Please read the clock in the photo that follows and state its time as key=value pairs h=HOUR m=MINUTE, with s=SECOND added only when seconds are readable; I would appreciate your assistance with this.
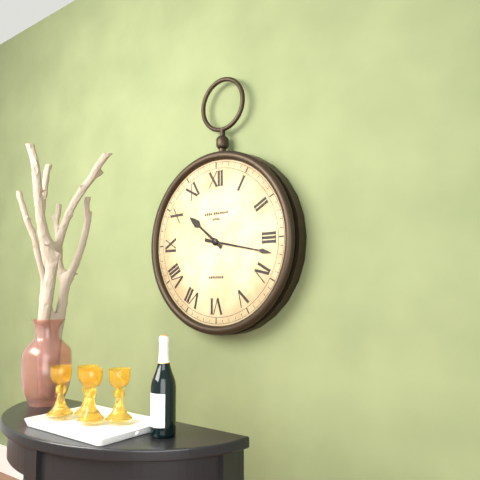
h=10 m=17
